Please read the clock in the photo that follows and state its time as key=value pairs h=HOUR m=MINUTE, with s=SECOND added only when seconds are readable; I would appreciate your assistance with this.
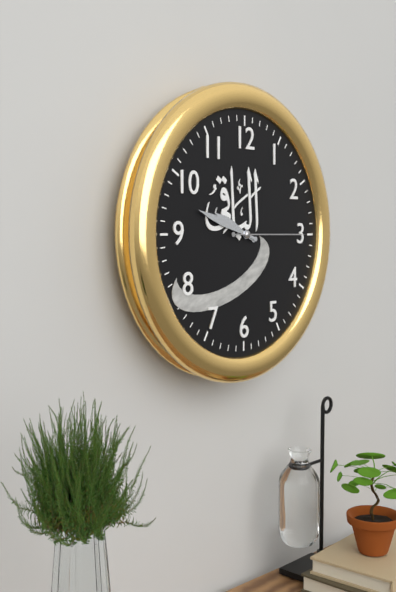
h=9 m=48 s=15
